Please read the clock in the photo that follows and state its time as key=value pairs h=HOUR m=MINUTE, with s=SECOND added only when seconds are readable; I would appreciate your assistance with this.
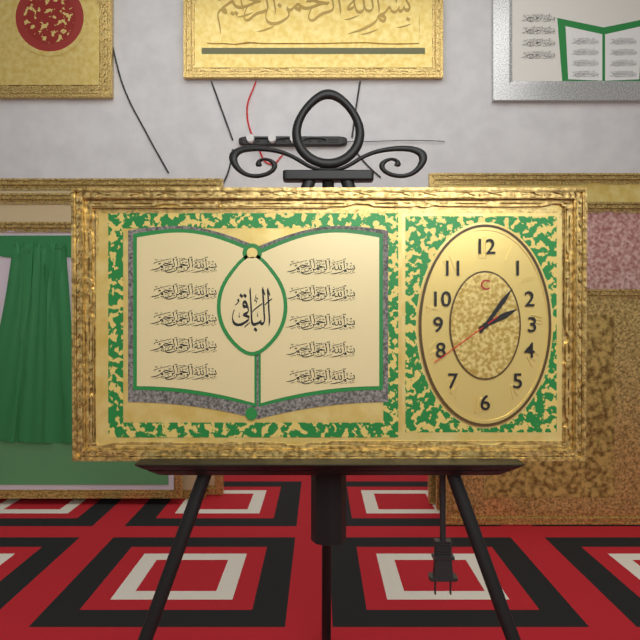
h=2 m=6 s=39
